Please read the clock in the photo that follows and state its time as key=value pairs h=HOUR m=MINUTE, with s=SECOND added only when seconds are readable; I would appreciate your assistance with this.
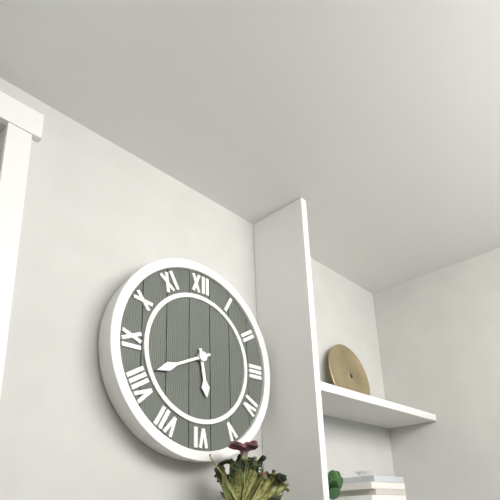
h=5 m=41
